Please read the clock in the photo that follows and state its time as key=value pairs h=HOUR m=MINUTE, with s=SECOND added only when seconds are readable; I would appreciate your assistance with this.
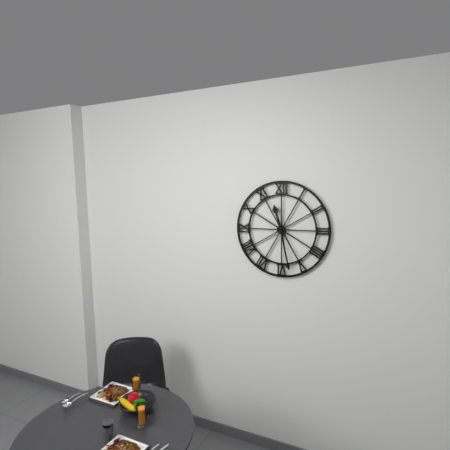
h=11 m=28
